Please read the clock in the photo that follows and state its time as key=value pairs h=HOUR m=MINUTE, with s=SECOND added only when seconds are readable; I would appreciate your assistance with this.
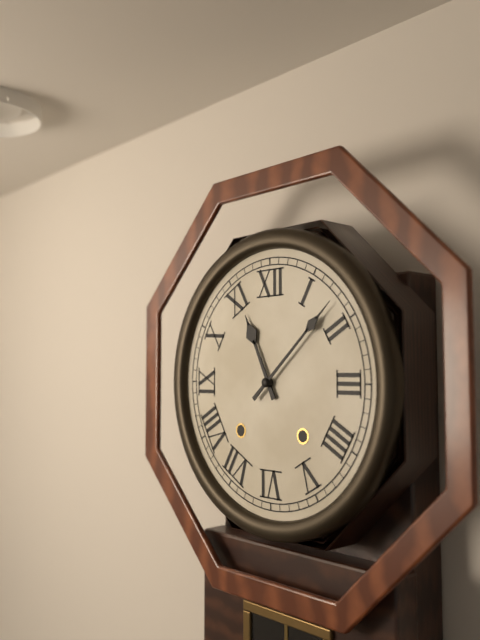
h=11 m=8
